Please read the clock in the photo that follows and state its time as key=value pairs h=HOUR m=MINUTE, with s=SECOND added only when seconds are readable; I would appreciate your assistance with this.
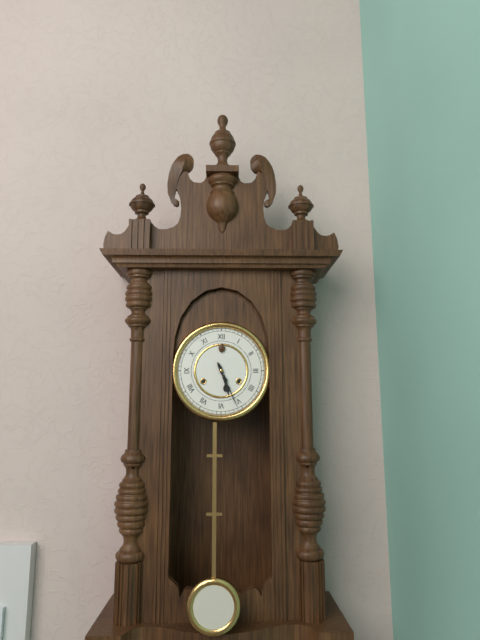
h=5 m=26
